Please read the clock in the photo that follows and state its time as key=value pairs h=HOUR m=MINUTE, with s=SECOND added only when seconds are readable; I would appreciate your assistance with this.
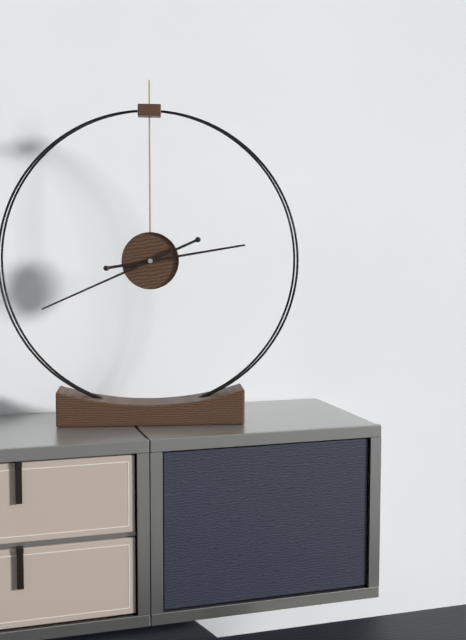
h=2 m=41
